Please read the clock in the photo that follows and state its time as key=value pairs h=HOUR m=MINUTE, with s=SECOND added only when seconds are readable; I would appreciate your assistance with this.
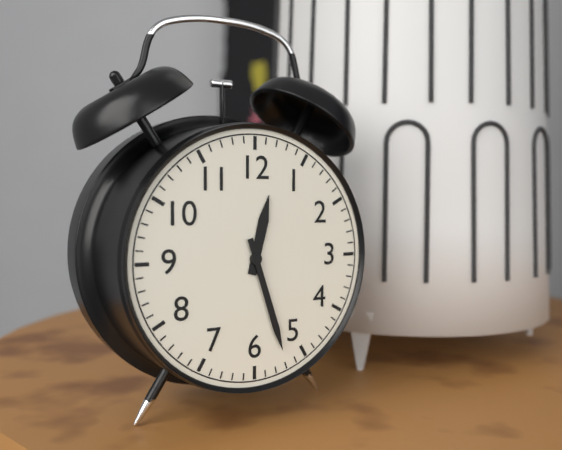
h=12 m=27
